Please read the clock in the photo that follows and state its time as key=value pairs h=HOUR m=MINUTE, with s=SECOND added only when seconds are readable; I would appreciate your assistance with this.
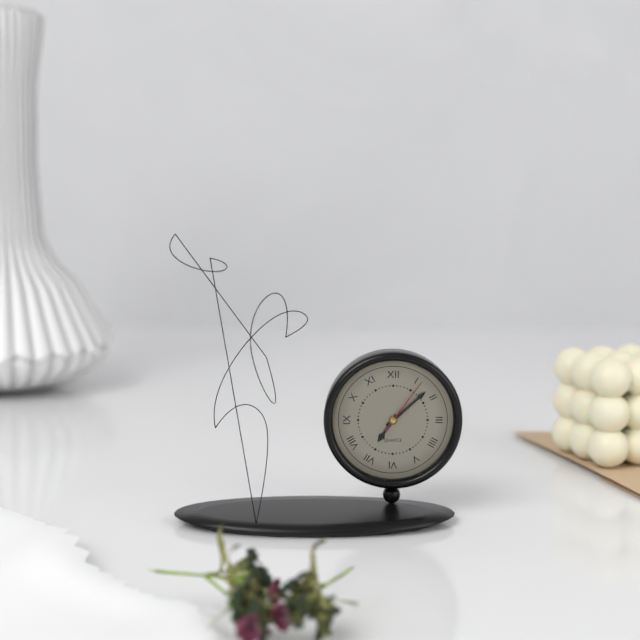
h=7 m=8 s=6
